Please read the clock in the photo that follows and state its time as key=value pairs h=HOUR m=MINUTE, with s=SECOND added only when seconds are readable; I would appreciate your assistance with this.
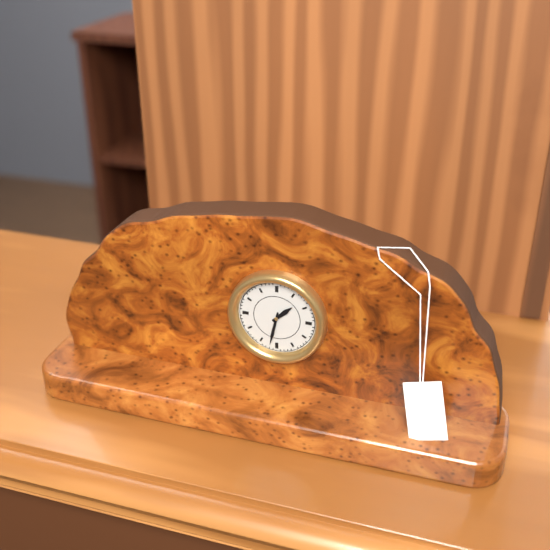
h=1 m=32
